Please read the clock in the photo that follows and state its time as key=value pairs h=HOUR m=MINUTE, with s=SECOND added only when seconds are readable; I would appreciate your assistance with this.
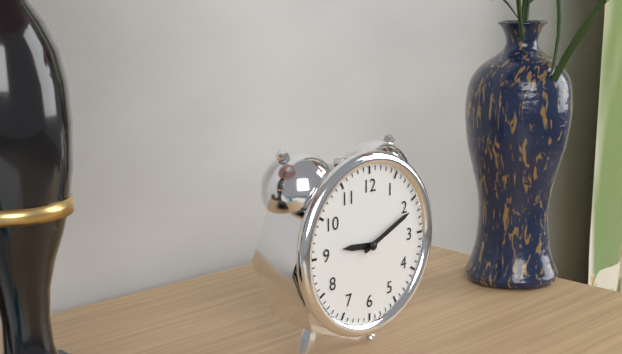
h=9 m=11
